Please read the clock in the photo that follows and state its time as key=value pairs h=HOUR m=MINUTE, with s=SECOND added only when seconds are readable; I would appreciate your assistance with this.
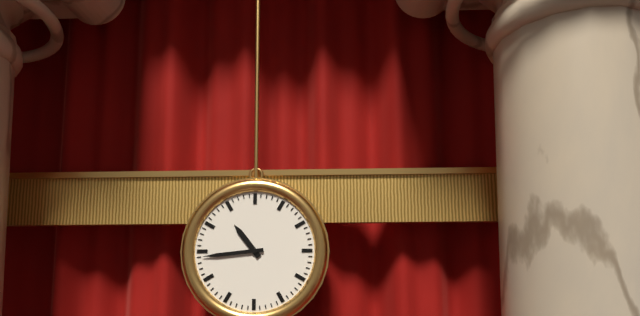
h=10 m=44
